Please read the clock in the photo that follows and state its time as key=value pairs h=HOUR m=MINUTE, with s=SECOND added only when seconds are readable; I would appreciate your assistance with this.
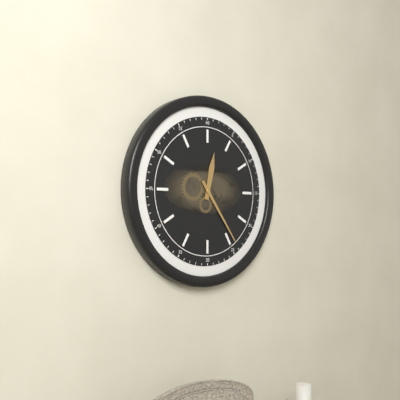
h=12 m=24
